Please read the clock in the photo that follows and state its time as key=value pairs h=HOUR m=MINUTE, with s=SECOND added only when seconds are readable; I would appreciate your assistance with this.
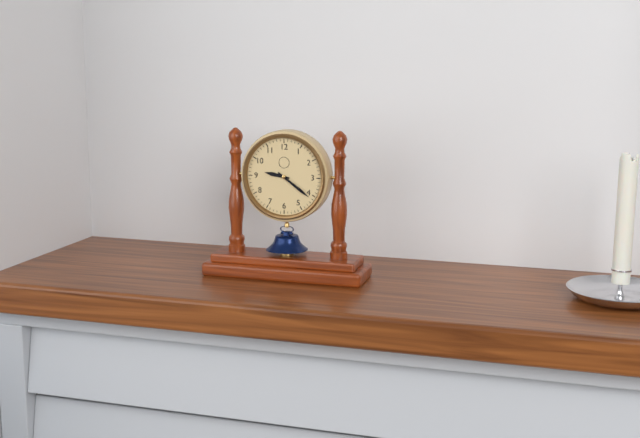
h=9 m=21
